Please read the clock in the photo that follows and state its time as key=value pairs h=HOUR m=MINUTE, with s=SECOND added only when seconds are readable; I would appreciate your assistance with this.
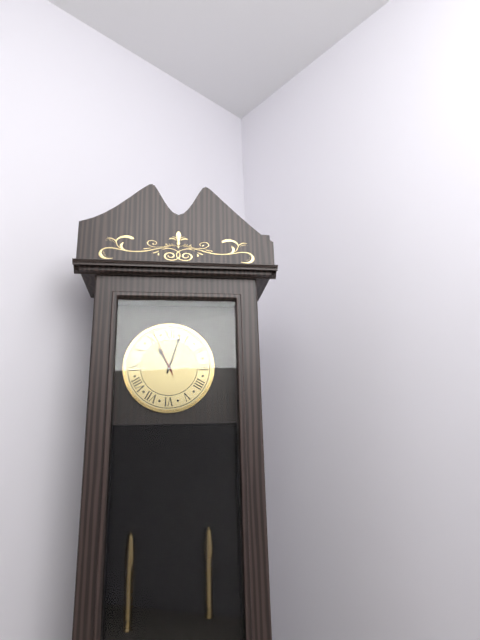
h=11 m=3
